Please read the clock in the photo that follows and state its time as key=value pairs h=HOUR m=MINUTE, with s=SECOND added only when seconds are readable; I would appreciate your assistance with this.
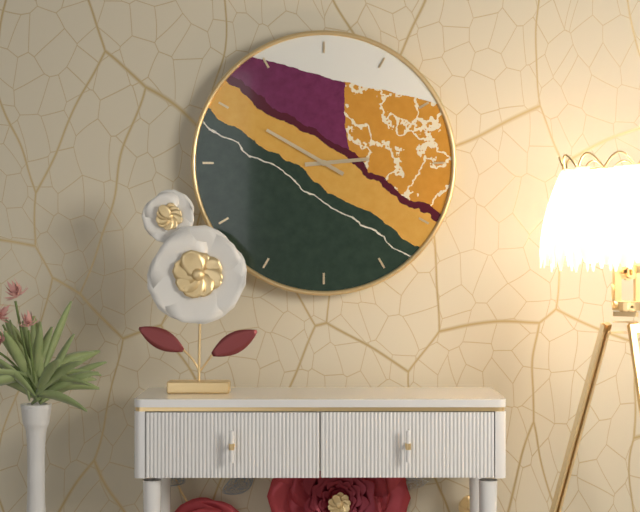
h=2 m=50
